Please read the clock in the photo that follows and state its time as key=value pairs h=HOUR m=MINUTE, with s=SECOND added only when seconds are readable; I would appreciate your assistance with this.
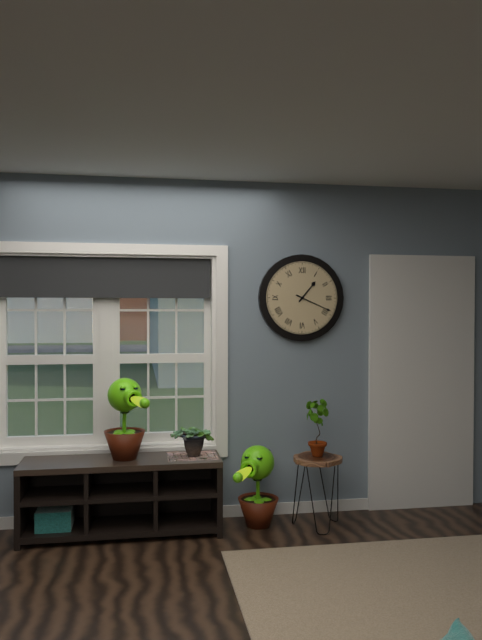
h=1 m=19
